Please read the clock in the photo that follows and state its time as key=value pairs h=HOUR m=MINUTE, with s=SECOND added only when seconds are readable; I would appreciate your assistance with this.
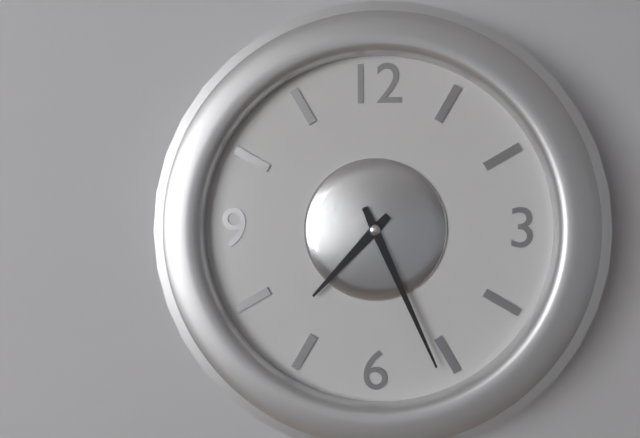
h=7 m=26
